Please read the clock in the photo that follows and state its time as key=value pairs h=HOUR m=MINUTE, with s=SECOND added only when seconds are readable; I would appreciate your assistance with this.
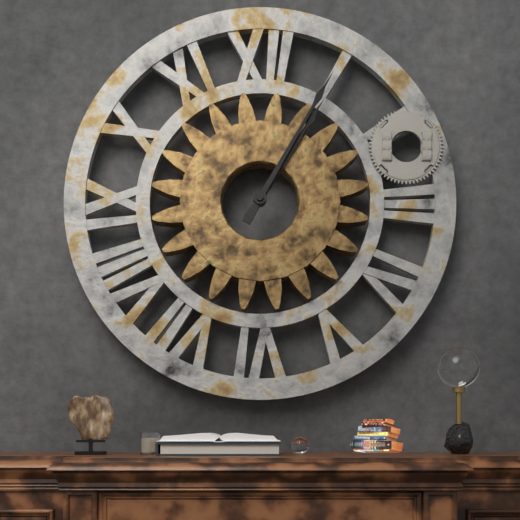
h=1 m=5
